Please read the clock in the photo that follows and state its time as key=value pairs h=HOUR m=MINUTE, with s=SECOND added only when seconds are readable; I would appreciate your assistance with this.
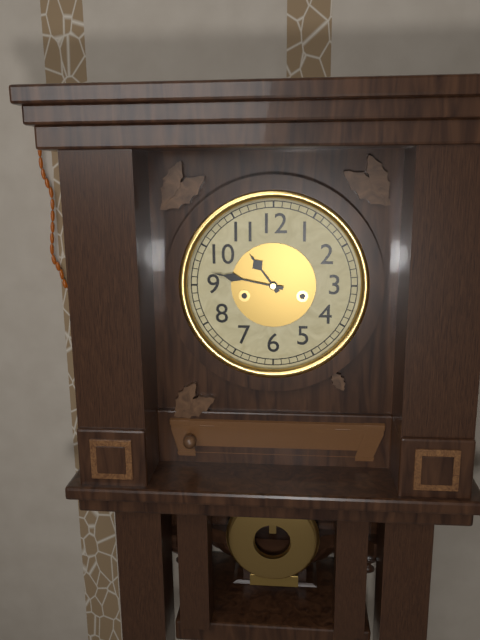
h=10 m=47
